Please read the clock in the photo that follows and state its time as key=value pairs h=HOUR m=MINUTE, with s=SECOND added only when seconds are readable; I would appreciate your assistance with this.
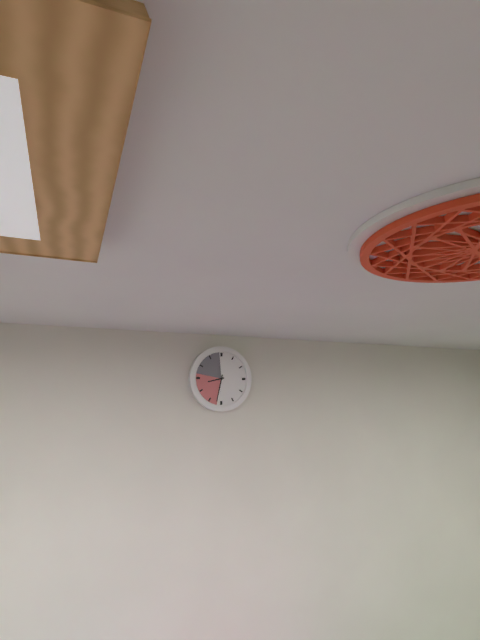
h=8 m=32
